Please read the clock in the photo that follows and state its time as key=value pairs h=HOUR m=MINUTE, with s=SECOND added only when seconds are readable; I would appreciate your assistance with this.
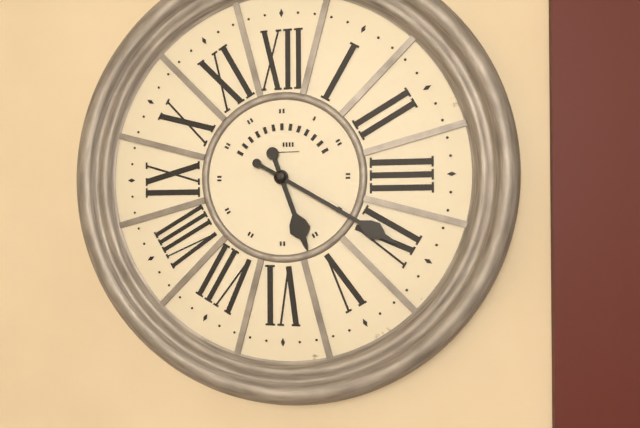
h=5 m=20
